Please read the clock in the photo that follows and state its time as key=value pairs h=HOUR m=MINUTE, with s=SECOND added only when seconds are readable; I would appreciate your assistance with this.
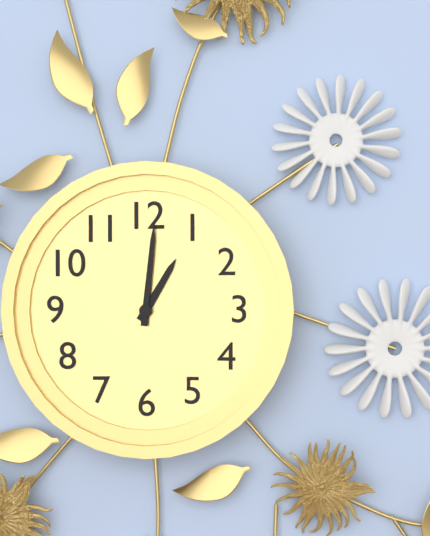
h=1 m=1
